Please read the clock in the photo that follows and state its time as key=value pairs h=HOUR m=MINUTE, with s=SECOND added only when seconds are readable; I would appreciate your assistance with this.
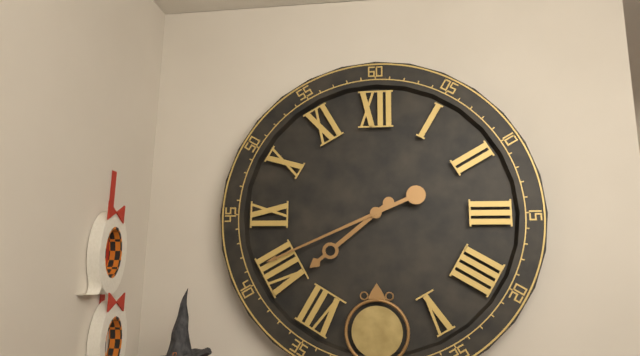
h=7 m=41
